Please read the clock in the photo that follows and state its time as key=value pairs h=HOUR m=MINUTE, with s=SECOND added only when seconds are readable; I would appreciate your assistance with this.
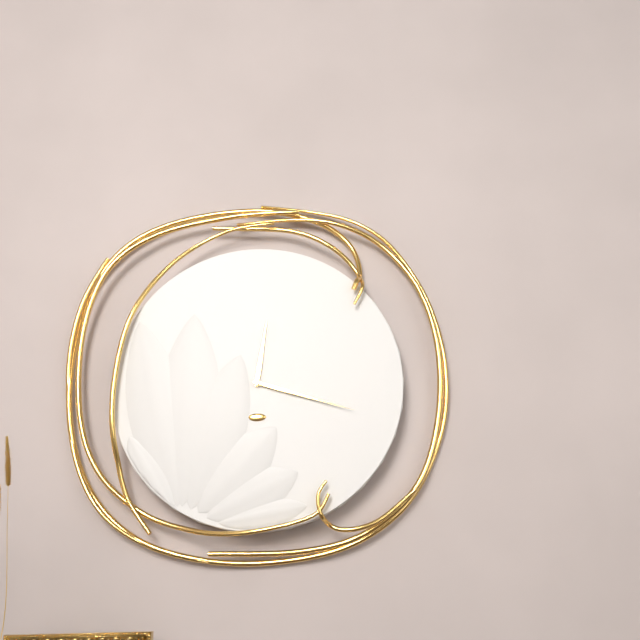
h=12 m=18
